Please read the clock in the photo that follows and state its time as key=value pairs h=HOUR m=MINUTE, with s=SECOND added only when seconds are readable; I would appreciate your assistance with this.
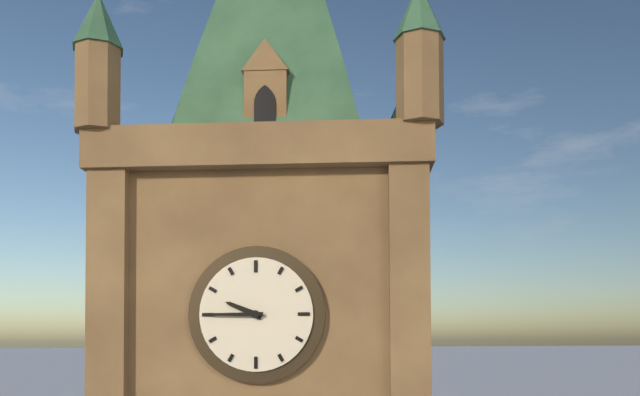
h=9 m=45
